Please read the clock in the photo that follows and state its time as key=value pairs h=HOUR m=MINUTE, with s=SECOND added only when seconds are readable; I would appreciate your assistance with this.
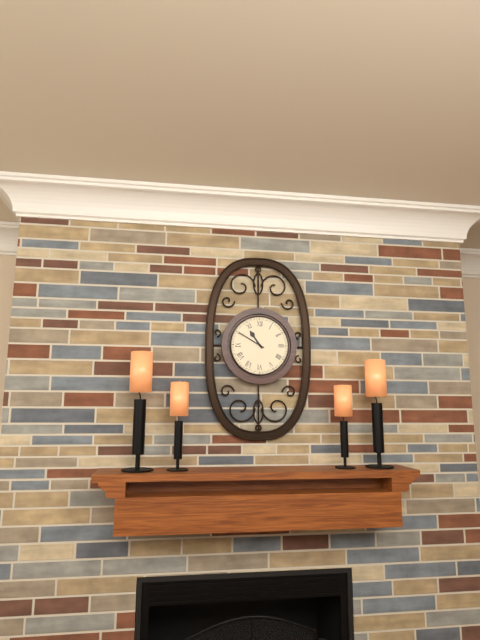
h=10 m=50
